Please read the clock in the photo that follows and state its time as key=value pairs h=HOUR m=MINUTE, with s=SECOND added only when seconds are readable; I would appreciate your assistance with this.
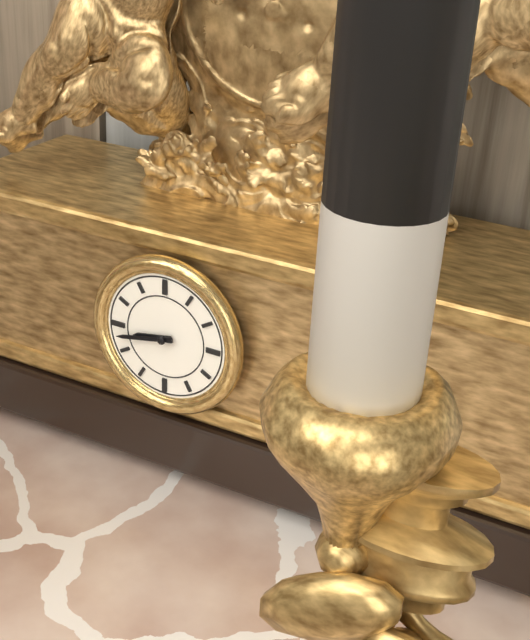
h=8 m=43
